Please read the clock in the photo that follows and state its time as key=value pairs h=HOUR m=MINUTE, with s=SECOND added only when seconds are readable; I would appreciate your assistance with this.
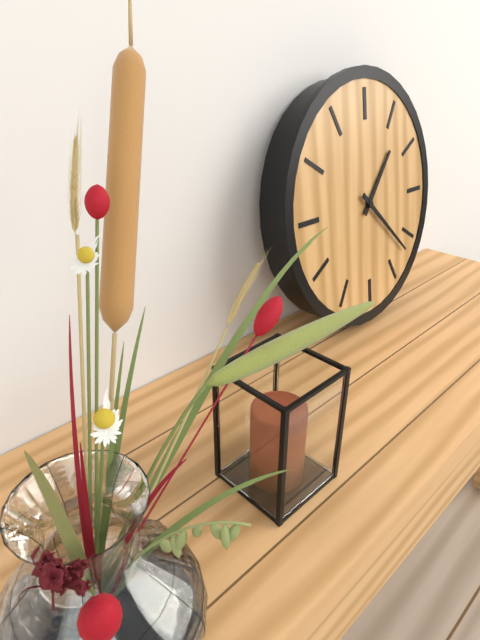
h=1 m=22
